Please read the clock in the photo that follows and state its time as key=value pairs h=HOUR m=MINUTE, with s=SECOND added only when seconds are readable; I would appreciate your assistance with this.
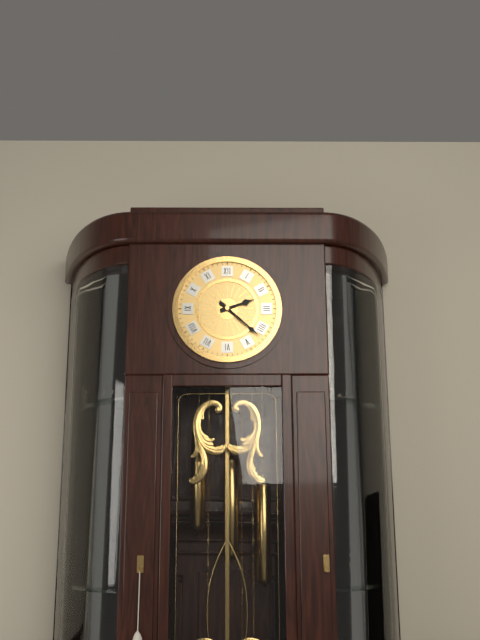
h=2 m=22
